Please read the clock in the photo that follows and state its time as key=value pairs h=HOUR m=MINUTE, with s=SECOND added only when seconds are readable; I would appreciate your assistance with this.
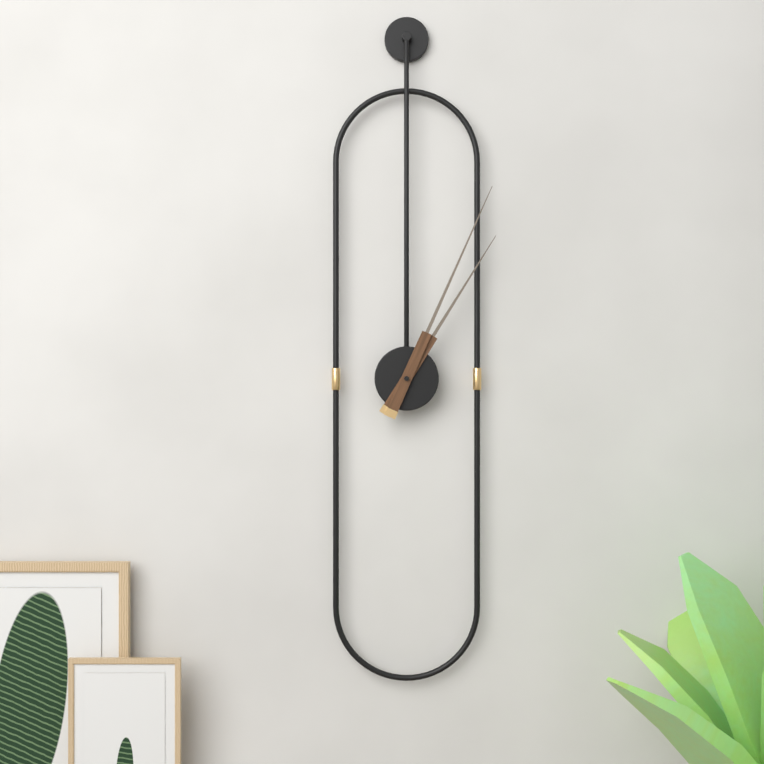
h=1 m=4
